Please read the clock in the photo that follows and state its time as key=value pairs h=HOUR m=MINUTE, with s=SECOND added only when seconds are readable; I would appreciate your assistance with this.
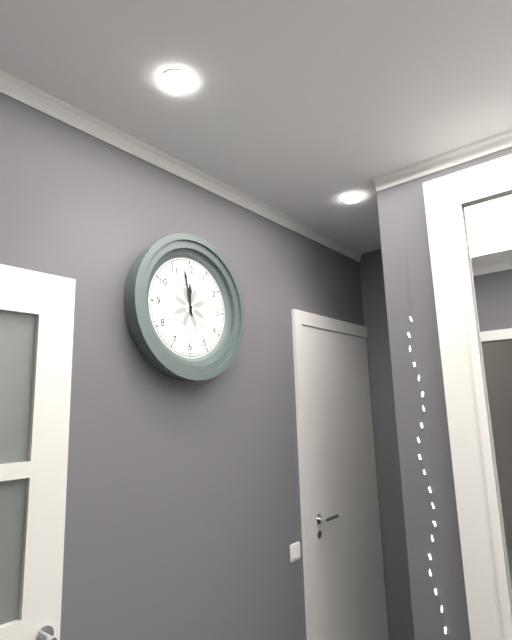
h=11 m=58
